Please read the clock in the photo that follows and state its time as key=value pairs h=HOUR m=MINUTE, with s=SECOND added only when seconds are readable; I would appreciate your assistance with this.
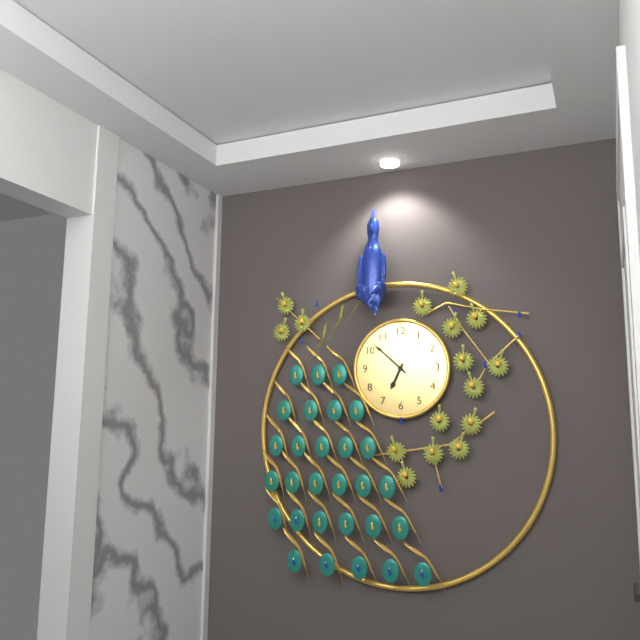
h=6 m=52
